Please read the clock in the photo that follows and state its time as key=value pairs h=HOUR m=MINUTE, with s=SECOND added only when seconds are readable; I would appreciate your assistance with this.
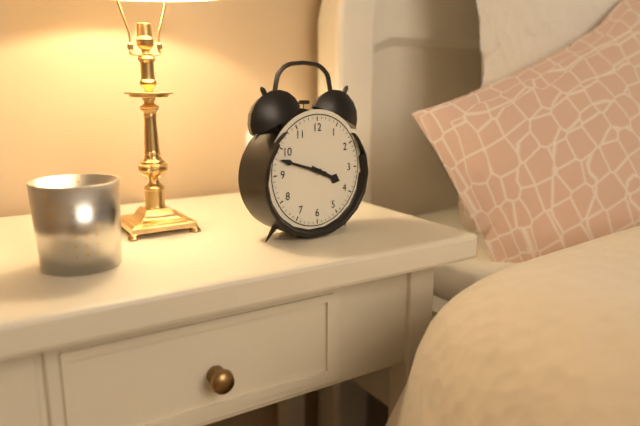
h=3 m=48
